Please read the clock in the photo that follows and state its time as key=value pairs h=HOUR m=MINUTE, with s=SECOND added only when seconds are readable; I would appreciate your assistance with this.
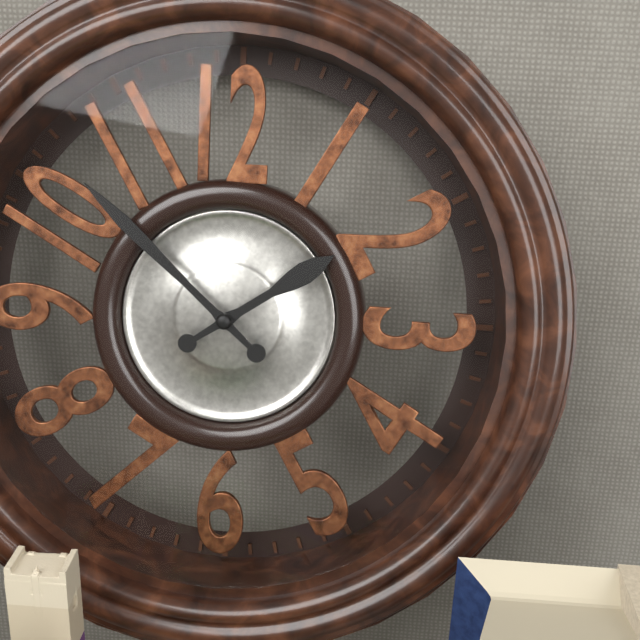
h=1 m=52
